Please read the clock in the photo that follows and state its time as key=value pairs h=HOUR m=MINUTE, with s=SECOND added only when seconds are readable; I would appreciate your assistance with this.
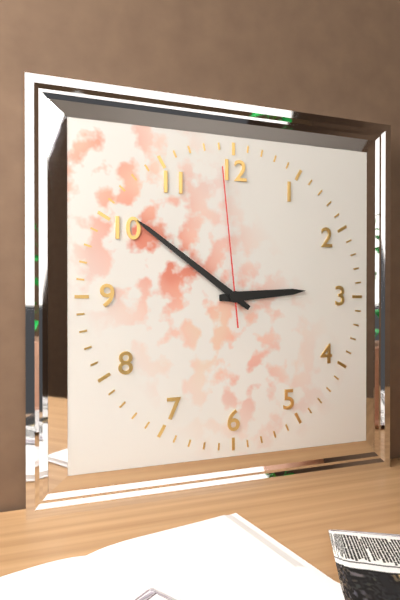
h=2 m=51 s=59
